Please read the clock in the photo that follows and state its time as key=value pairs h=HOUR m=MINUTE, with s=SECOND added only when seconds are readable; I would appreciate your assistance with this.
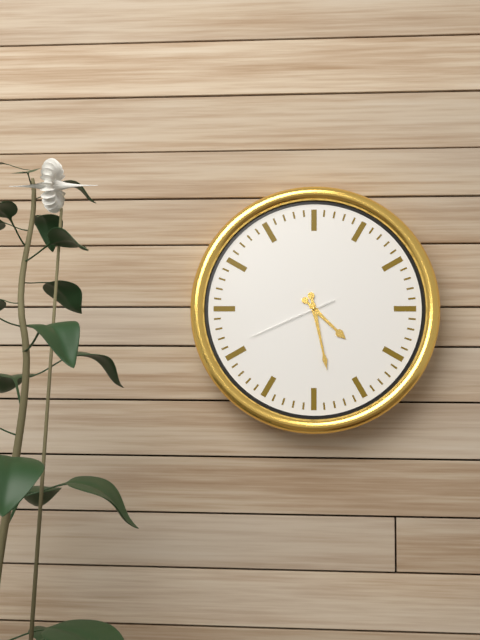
h=4 m=28 s=41
